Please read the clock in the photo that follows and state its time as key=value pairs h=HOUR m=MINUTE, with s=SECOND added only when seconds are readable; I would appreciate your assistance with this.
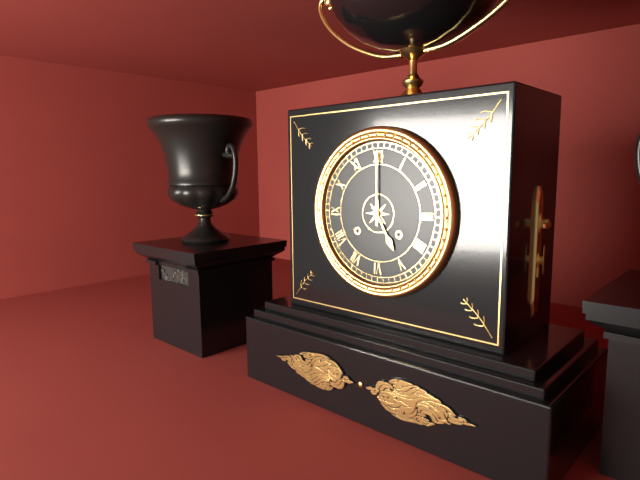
h=5 m=0
